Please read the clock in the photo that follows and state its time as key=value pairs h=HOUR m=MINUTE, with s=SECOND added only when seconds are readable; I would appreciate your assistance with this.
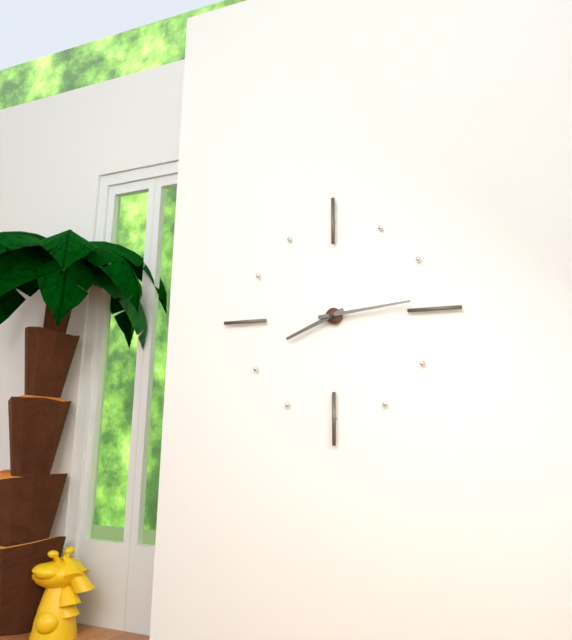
h=8 m=14
